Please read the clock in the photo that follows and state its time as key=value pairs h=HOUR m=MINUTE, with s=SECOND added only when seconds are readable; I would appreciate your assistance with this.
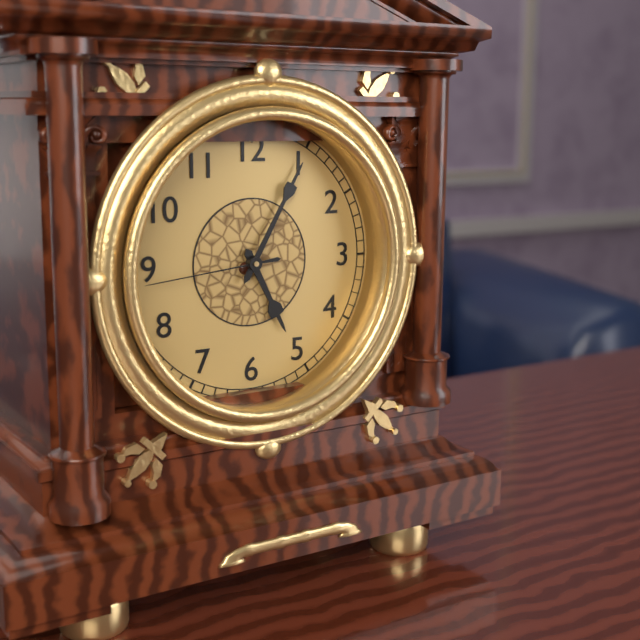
h=5 m=5 s=44
